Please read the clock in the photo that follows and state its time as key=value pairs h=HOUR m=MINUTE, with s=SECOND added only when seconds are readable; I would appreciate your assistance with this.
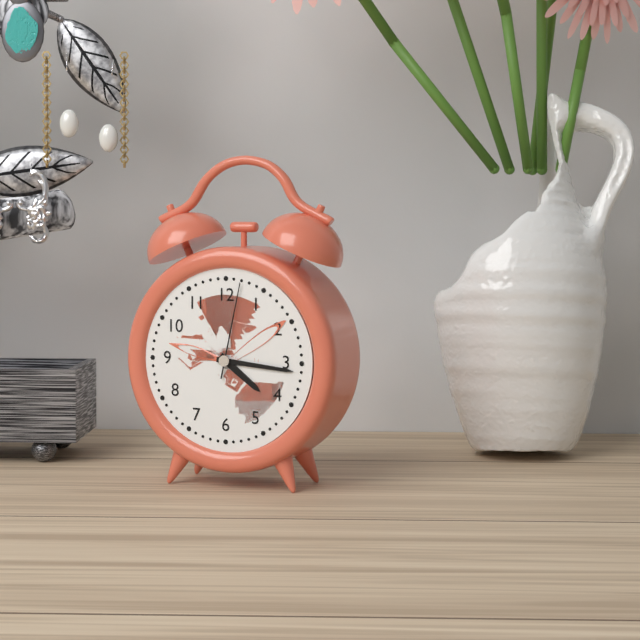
h=4 m=16 s=2
